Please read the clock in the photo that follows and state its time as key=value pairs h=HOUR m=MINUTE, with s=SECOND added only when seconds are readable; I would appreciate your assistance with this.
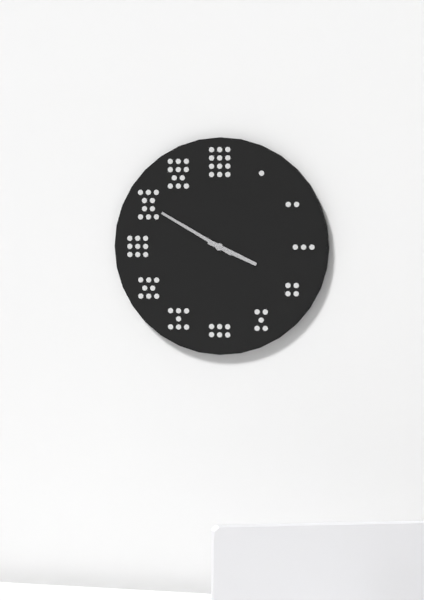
h=3 m=50
